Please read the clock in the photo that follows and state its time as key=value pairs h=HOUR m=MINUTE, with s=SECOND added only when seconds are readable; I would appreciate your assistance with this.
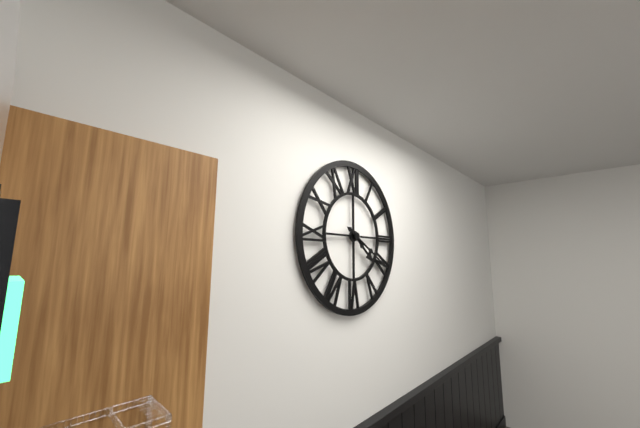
h=4 m=20
